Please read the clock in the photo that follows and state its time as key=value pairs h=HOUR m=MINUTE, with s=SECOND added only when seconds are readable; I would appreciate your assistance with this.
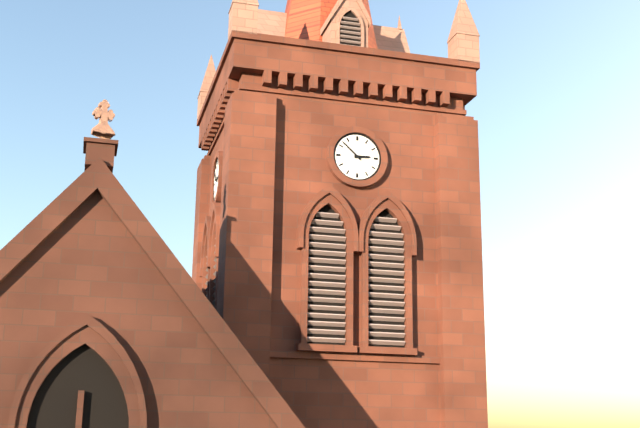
h=2 m=52
